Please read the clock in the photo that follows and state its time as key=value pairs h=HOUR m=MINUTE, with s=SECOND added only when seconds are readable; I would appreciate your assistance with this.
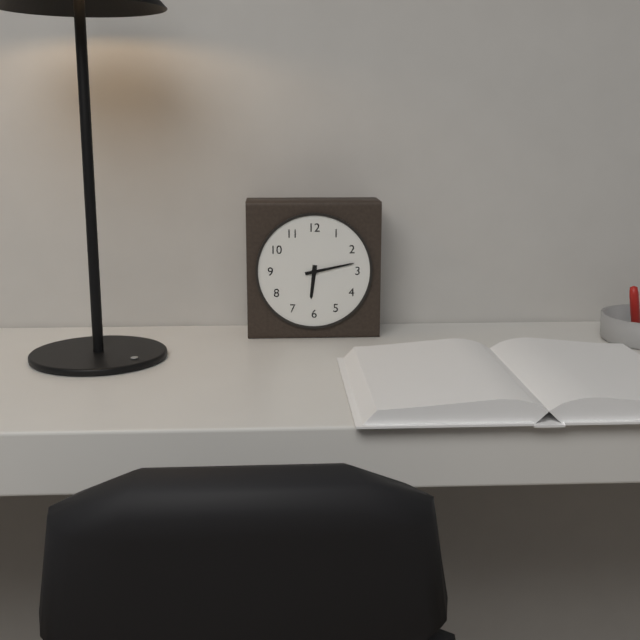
h=6 m=13
